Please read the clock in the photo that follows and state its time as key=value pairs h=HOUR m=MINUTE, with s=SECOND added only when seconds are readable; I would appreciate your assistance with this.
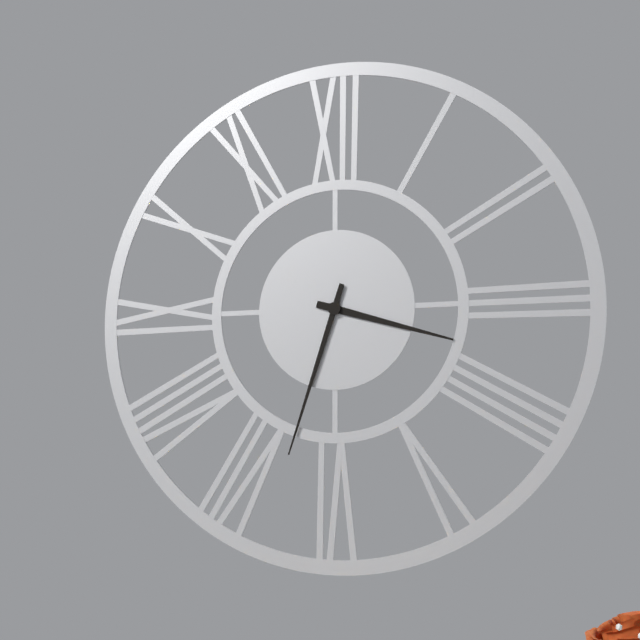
h=3 m=33
